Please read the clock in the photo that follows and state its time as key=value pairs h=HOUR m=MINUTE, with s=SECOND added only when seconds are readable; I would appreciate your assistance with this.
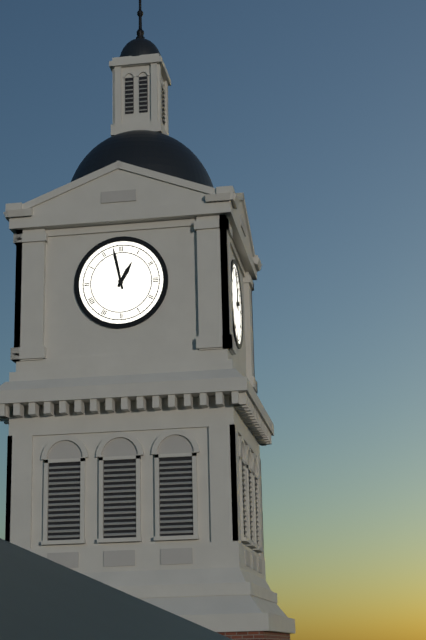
h=12 m=58
